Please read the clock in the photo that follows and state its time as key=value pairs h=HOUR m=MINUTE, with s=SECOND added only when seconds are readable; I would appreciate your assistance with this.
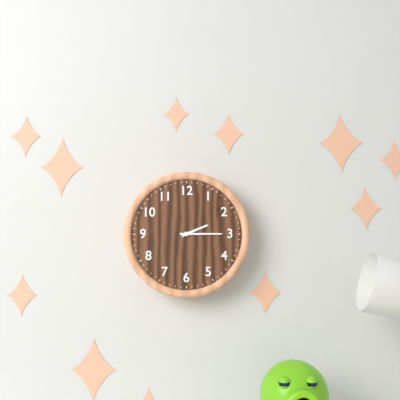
h=2 m=15
